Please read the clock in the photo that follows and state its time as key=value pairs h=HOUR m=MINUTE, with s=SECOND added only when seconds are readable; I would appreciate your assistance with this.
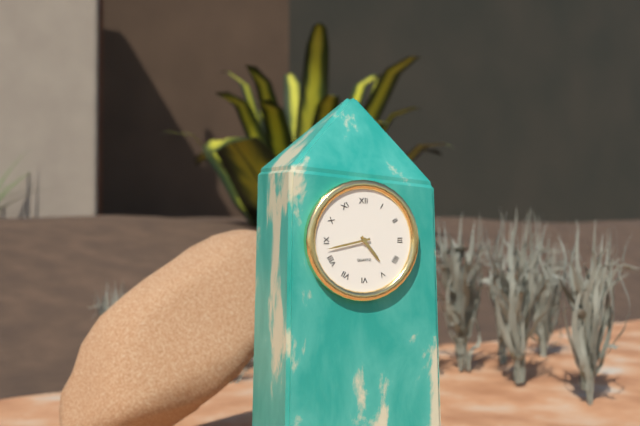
h=4 m=43
